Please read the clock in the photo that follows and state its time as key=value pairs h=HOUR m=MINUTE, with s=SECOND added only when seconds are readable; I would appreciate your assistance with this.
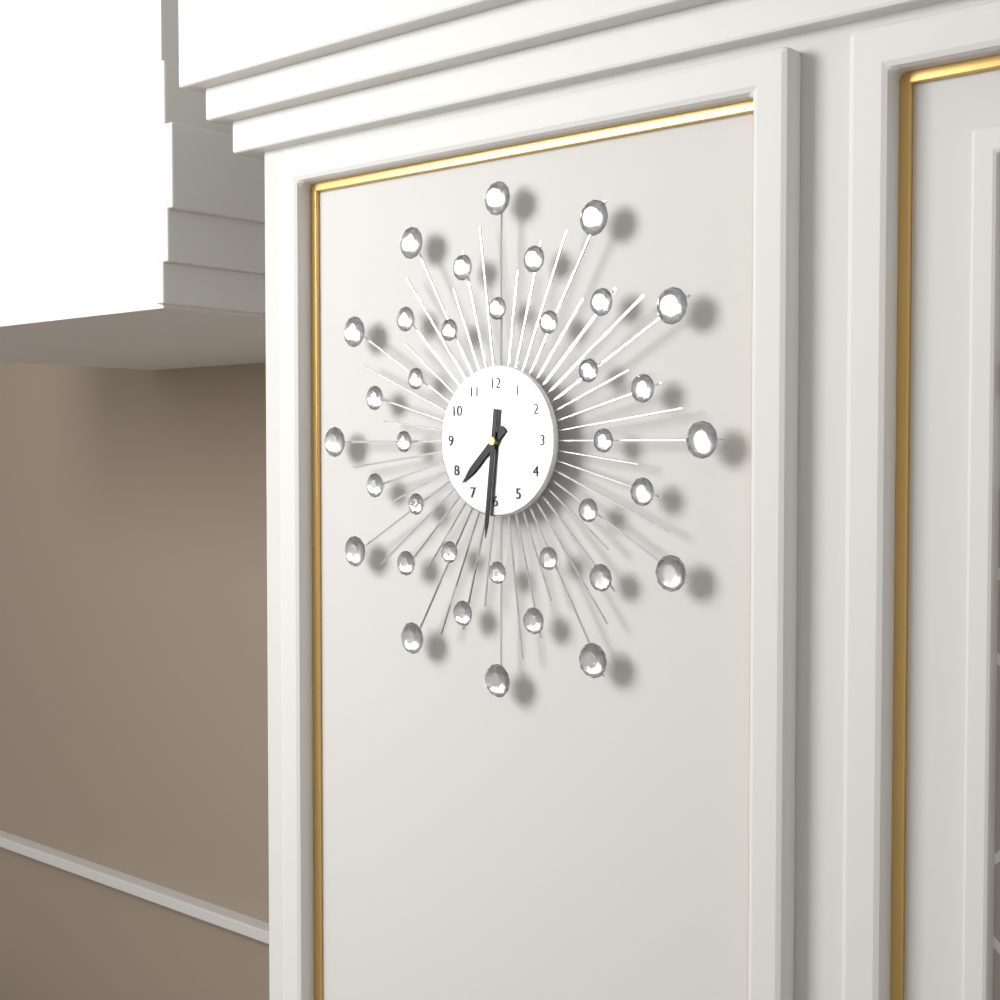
h=7 m=31
